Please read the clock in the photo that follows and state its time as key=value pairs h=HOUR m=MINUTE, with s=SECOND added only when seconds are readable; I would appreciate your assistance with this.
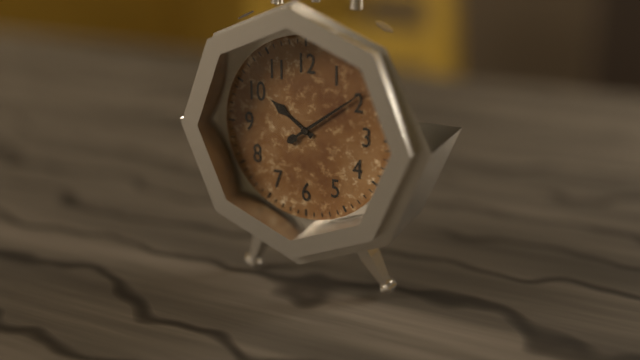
h=10 m=9
